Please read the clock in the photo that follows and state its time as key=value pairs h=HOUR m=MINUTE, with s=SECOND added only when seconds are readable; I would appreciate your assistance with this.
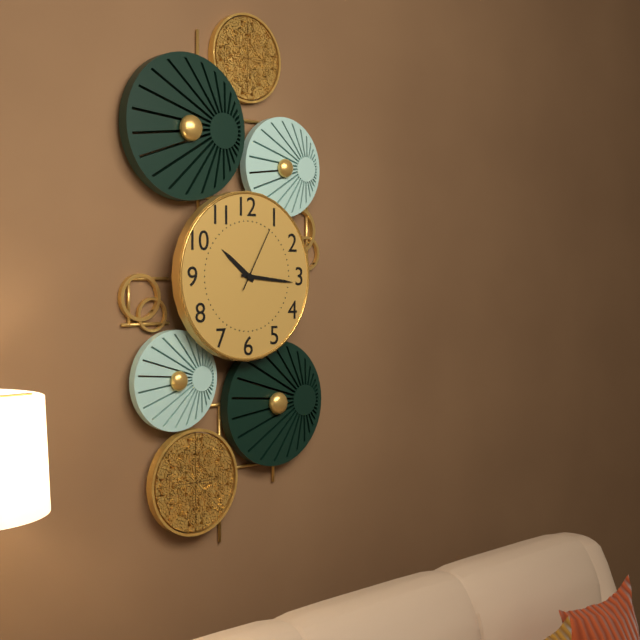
h=10 m=16 s=5
